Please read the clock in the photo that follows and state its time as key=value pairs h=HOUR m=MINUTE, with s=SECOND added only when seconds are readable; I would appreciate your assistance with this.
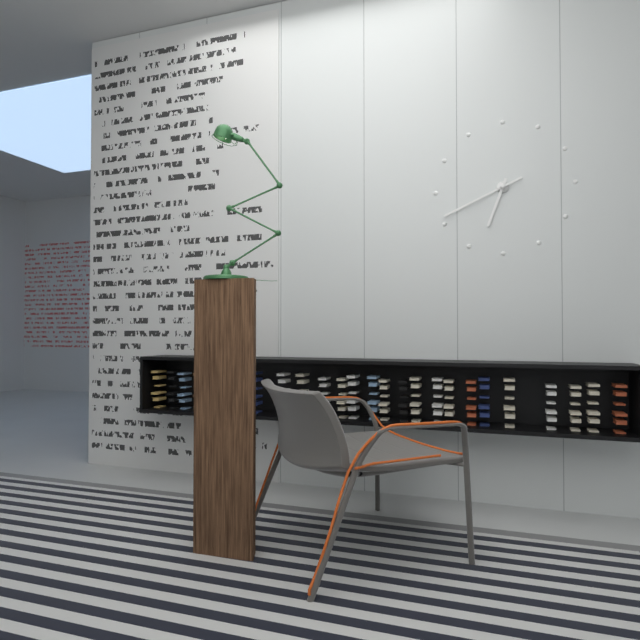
h=6 m=41
